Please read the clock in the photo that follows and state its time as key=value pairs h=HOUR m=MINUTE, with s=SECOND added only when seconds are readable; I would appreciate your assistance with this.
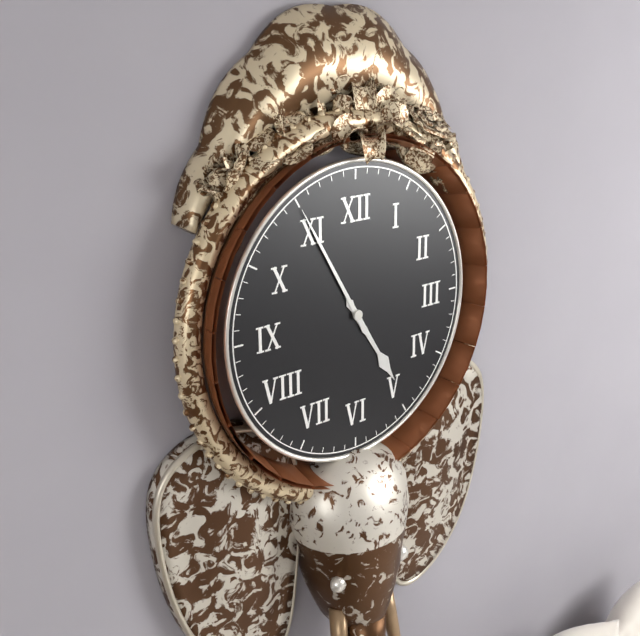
h=4 m=55
